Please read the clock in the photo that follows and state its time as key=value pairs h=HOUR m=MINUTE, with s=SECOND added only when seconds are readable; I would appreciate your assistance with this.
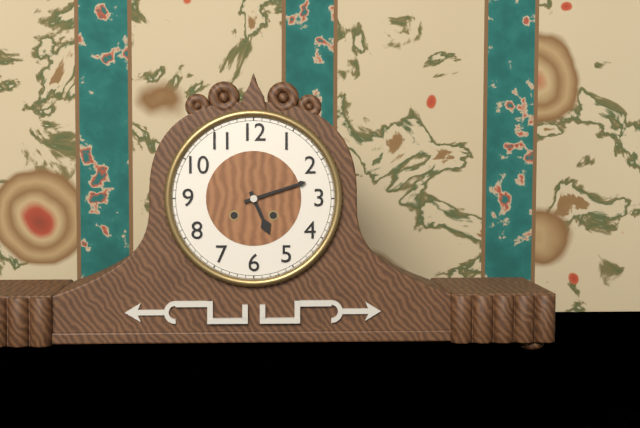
h=5 m=12
